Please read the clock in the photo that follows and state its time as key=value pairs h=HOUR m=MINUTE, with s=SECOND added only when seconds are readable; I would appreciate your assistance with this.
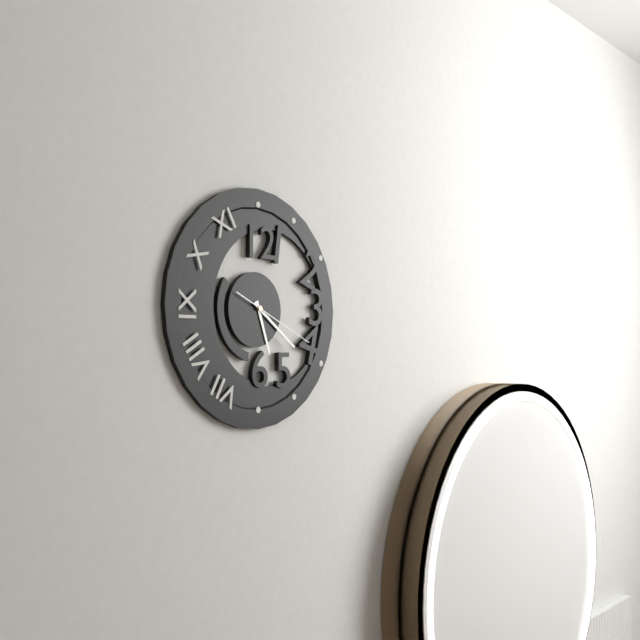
h=5 m=21 s=19
